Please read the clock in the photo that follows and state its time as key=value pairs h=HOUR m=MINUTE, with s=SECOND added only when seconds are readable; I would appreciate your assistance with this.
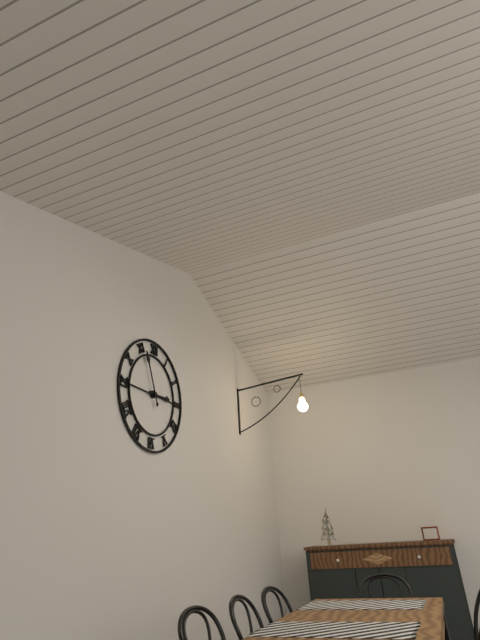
h=2 m=56
